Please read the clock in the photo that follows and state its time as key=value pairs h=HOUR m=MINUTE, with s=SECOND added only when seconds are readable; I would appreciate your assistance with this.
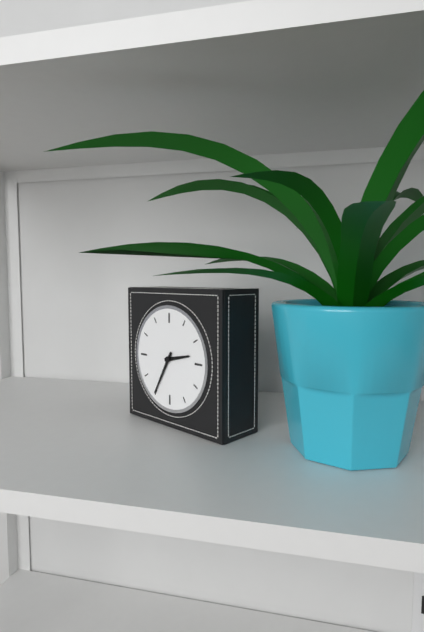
h=2 m=35
